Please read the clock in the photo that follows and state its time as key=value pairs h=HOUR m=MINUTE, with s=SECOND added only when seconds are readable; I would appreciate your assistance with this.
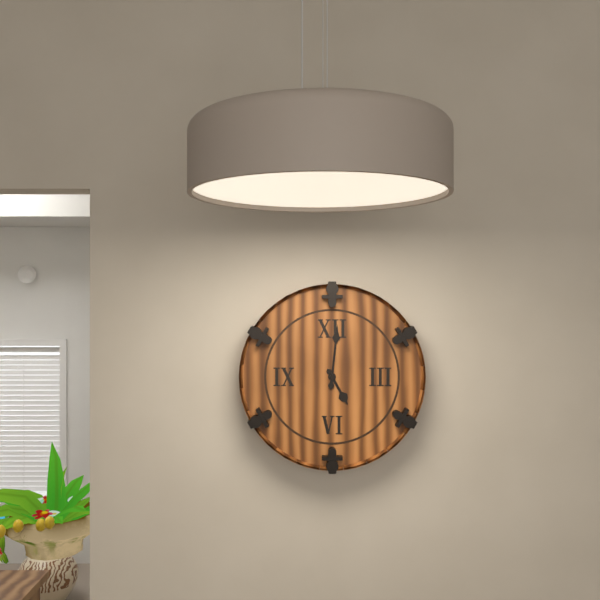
h=5 m=1
